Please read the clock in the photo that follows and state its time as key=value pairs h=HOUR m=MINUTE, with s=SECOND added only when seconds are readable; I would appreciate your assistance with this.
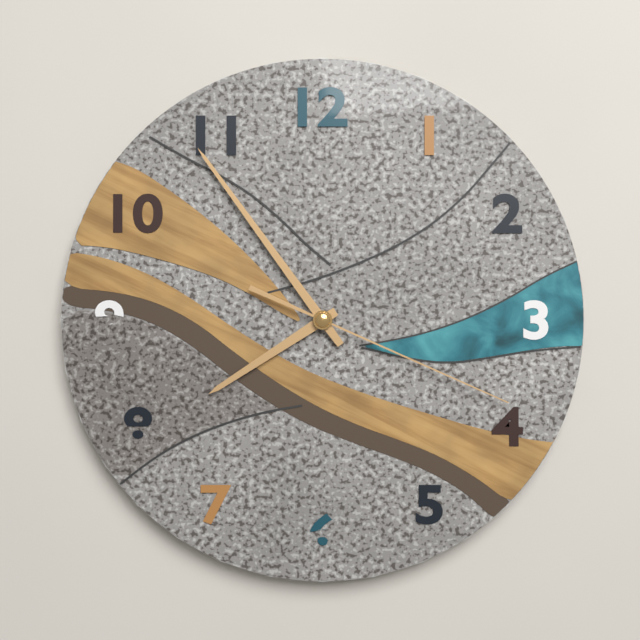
h=7 m=54 s=19
